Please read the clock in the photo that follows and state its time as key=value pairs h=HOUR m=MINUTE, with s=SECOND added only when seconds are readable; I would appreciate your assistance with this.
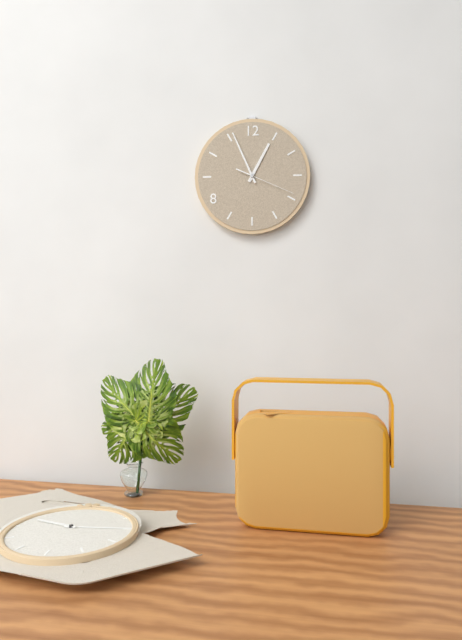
h=12 m=56 s=19
